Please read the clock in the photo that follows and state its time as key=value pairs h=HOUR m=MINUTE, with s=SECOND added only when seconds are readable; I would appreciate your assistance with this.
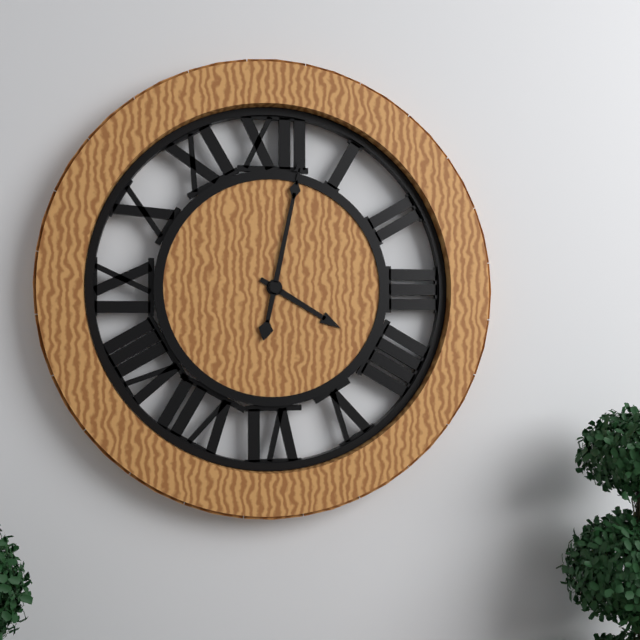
h=4 m=2
